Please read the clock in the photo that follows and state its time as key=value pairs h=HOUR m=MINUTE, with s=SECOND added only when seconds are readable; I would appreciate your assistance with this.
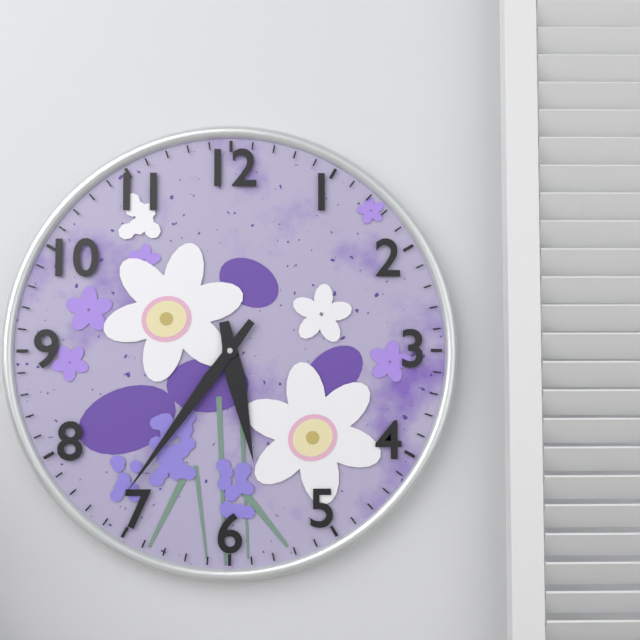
h=5 m=36
